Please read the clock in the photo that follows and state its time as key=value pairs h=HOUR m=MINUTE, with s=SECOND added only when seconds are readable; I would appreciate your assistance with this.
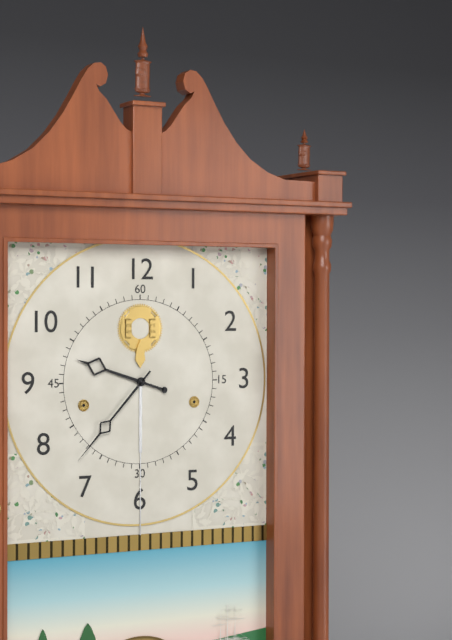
h=9 m=37
